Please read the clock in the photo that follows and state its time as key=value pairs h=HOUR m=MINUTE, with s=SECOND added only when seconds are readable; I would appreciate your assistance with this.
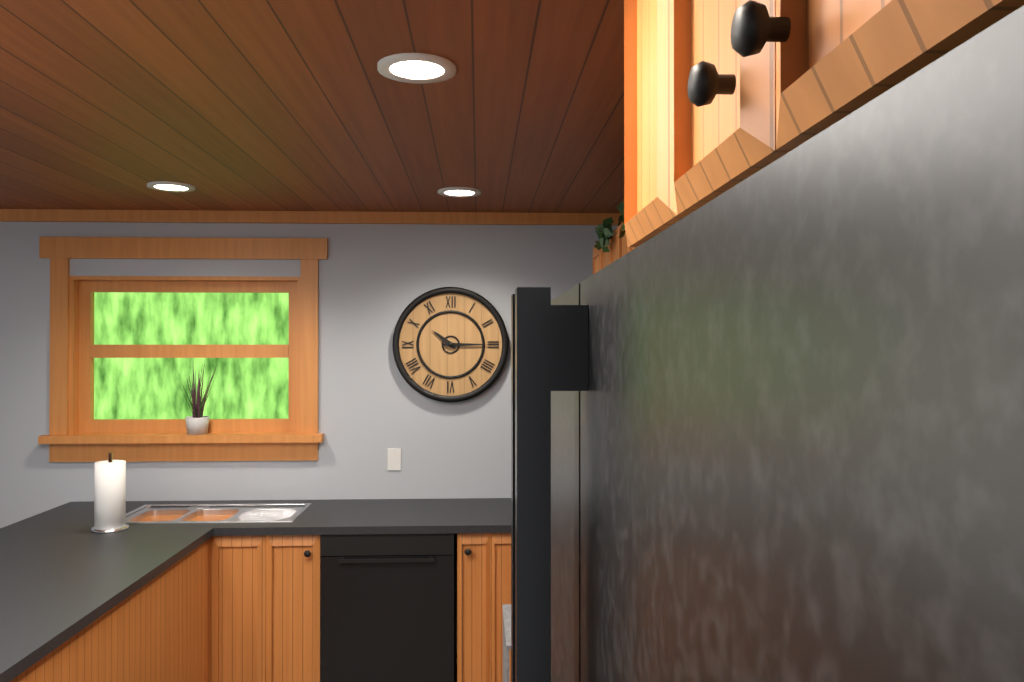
h=10 m=15
